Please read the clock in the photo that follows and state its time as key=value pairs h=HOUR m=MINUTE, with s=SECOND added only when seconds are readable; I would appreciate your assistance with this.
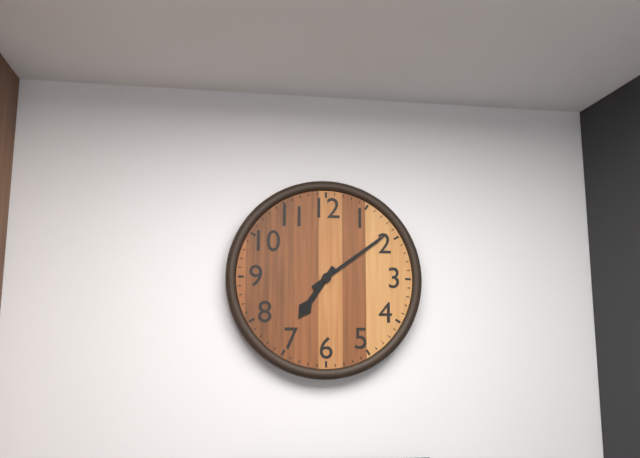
h=7 m=9
